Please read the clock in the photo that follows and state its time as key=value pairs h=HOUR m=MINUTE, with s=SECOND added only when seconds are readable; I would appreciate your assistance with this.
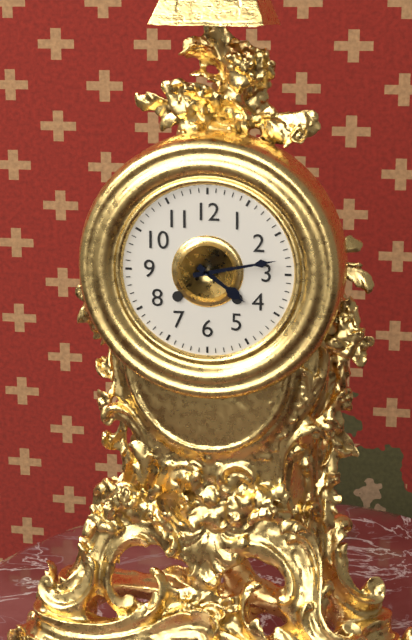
h=4 m=13
